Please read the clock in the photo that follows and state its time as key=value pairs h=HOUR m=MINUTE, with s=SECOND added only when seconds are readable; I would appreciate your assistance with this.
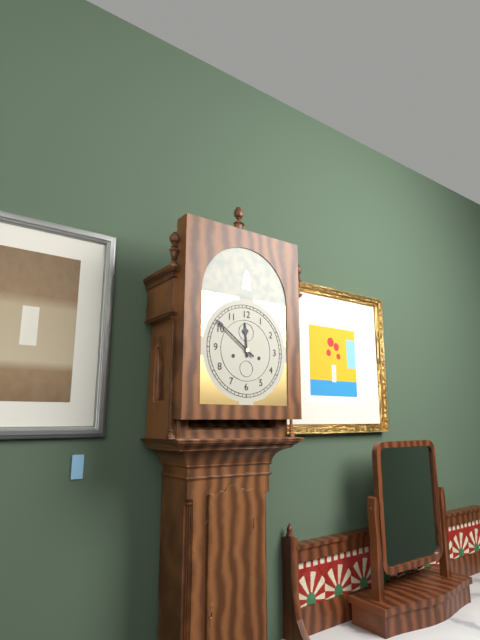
h=11 m=51
